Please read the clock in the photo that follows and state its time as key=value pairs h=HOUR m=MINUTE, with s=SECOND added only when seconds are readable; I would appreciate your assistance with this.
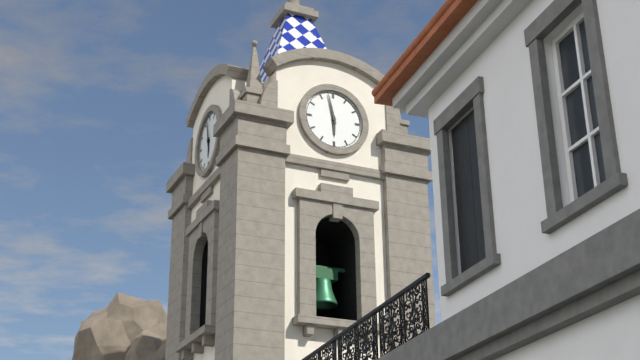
h=5 m=58
